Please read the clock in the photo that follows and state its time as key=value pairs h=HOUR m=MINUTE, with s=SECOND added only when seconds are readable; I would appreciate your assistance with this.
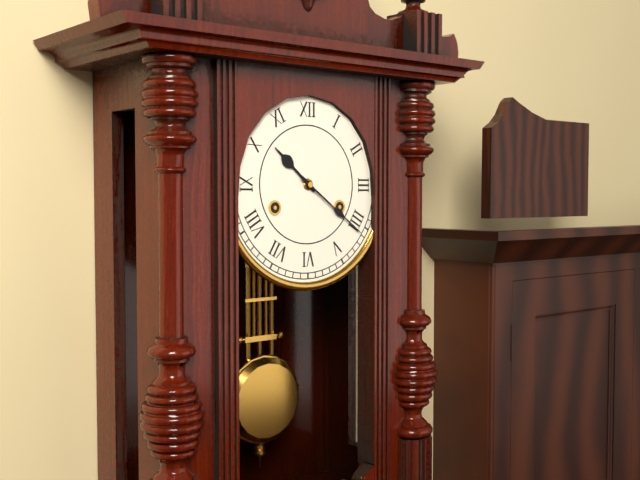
h=10 m=21
